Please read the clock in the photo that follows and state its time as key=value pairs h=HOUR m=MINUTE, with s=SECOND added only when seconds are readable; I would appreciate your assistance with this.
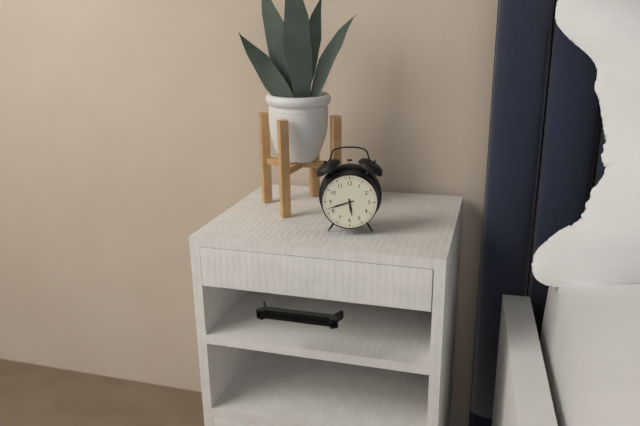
h=5 m=42
